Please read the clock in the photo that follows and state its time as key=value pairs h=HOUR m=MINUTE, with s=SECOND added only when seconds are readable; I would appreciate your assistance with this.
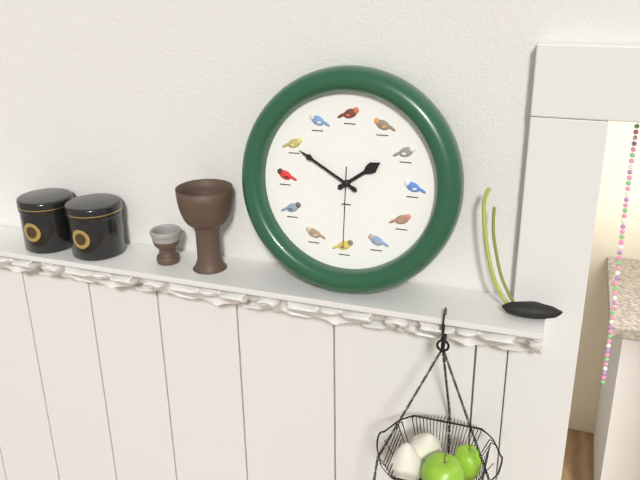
h=1 m=50 s=30
